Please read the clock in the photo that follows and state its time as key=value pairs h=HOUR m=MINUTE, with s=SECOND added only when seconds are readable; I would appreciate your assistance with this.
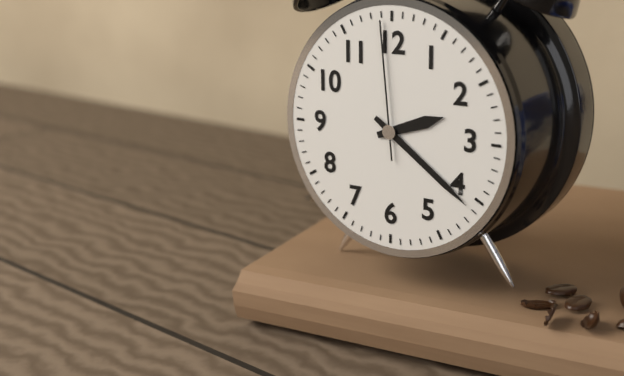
h=2 m=21 s=59
